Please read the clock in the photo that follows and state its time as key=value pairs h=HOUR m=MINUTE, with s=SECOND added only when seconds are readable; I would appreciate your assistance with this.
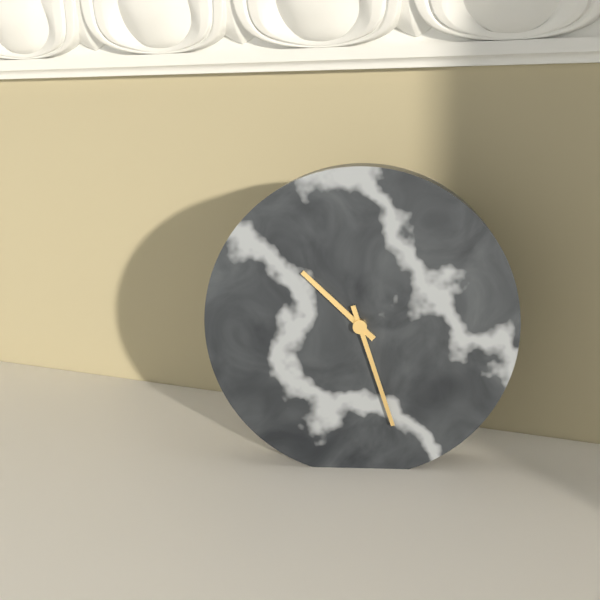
h=10 m=27
